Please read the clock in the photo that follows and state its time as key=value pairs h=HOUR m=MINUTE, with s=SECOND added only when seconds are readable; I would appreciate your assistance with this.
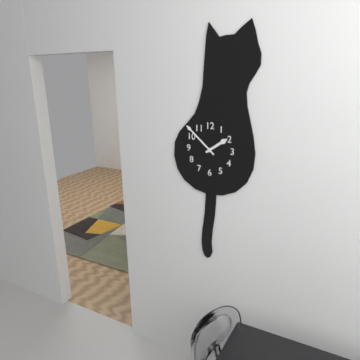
h=1 m=52
